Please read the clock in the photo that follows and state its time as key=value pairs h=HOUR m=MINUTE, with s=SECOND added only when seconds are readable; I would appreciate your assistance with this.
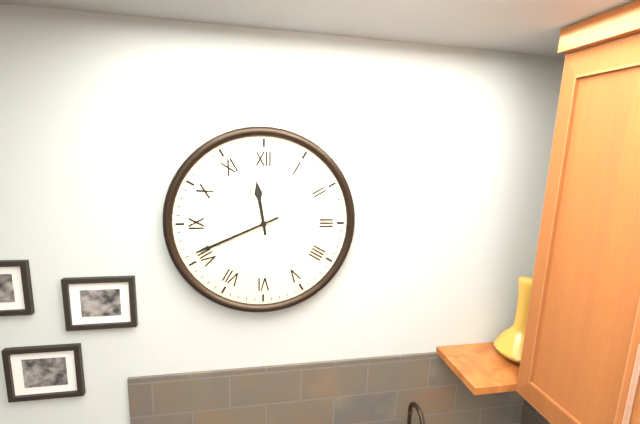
h=11 m=41
